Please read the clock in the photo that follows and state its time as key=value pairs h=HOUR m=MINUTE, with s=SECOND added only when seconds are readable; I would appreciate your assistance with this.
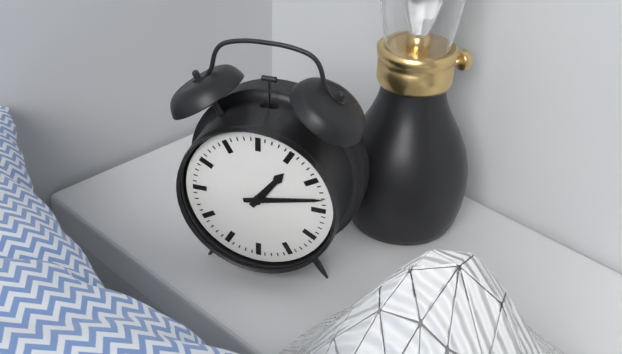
h=1 m=13
